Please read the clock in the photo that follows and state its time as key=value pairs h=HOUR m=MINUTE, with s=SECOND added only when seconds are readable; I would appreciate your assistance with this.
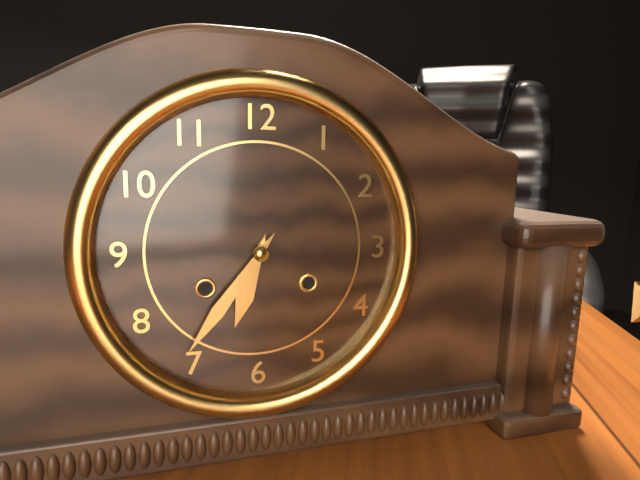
h=6 m=36
